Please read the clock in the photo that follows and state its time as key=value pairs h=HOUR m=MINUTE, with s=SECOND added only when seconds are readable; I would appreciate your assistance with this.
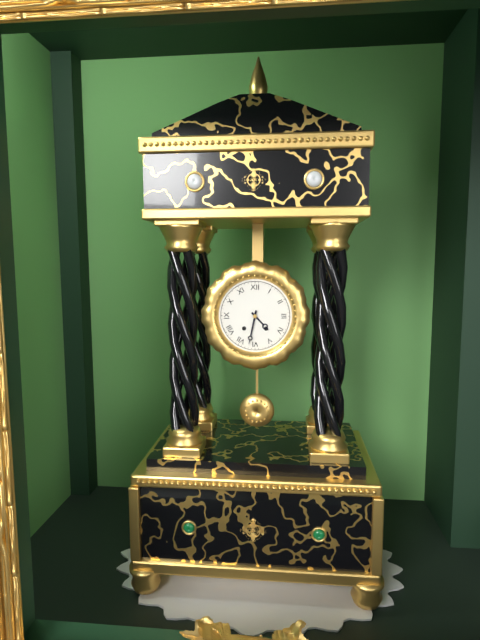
h=4 m=32
